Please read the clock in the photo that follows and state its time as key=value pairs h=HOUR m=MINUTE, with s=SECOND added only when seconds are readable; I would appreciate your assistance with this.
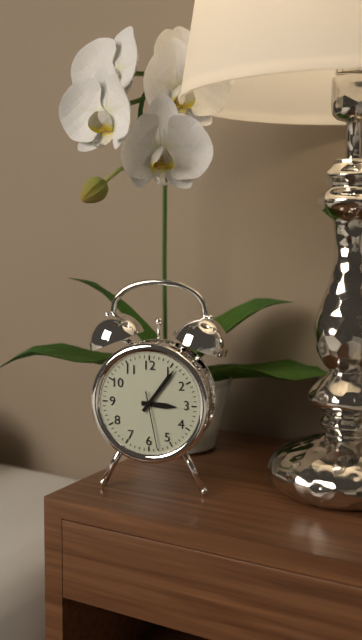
h=3 m=6 s=28
